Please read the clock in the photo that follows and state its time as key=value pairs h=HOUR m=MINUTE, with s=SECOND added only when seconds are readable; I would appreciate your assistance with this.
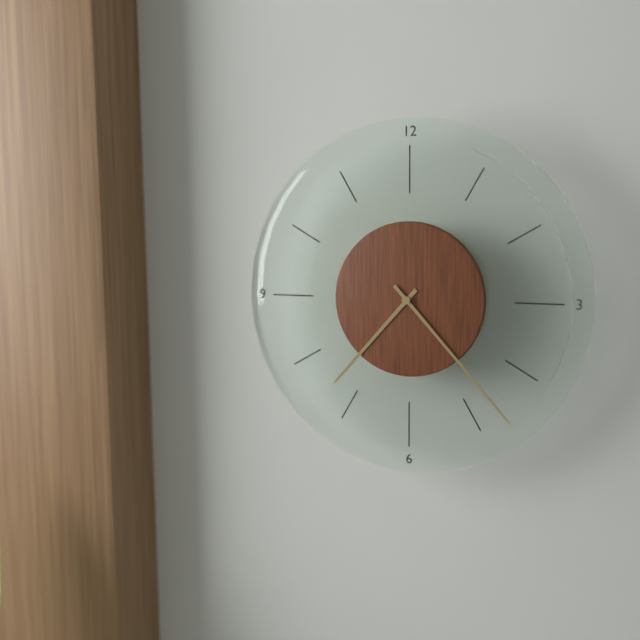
h=7 m=23
